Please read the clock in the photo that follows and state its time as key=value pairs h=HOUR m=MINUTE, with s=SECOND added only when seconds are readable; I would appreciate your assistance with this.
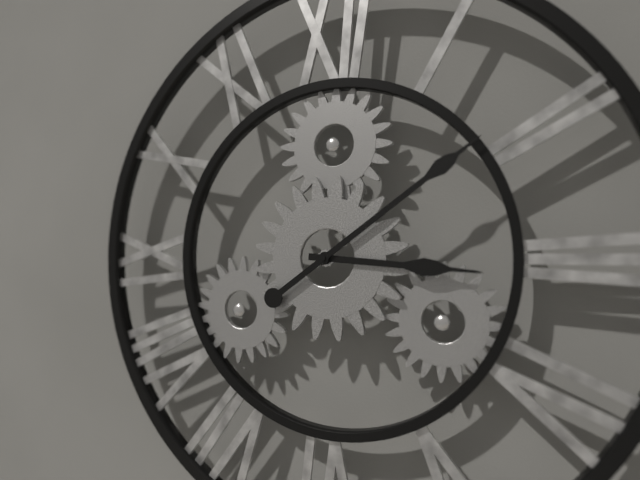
h=3 m=9
